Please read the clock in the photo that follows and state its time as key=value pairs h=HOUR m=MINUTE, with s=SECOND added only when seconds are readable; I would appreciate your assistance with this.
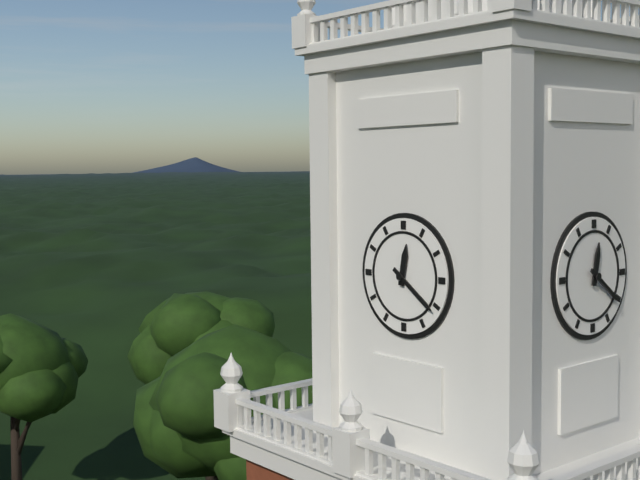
h=12 m=21
